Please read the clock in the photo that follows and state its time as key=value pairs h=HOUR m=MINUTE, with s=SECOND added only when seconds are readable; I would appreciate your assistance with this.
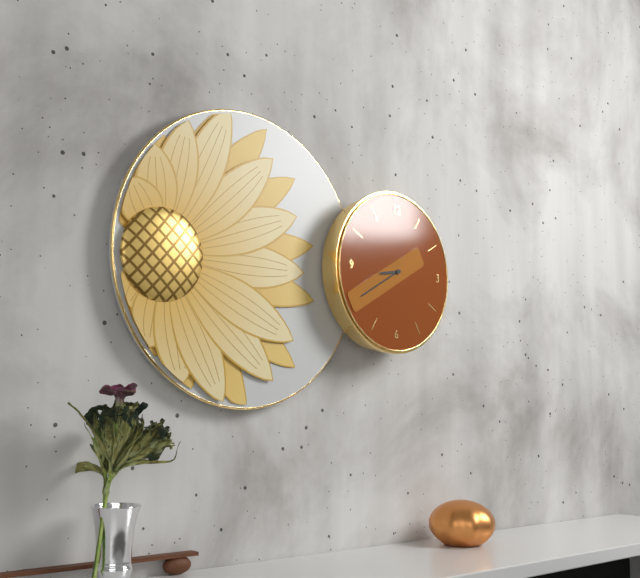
h=8 m=40
